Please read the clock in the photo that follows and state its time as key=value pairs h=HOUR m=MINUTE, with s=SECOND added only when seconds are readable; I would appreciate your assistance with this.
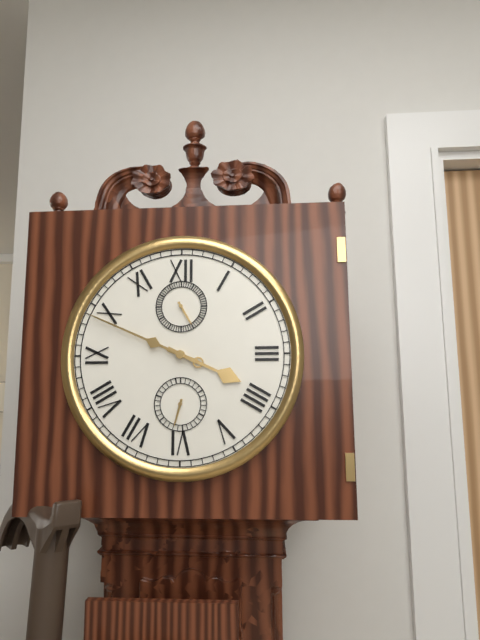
h=3 m=49
